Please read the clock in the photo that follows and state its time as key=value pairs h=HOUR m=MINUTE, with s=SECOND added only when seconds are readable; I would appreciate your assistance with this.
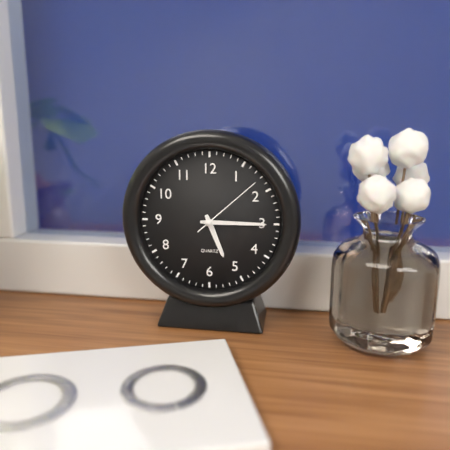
h=5 m=15 s=8
